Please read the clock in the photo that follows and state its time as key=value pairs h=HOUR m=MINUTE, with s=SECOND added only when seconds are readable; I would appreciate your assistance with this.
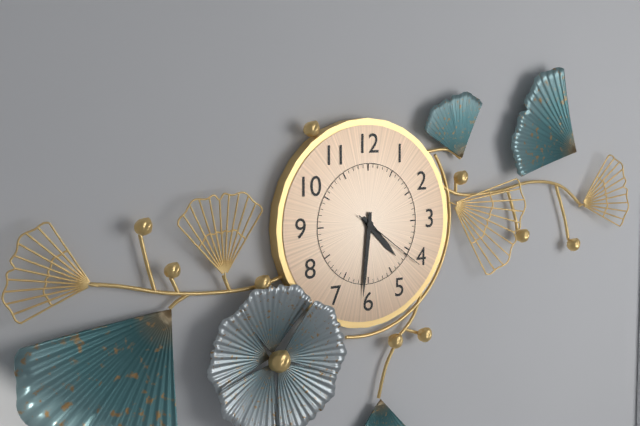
h=4 m=31 s=21
